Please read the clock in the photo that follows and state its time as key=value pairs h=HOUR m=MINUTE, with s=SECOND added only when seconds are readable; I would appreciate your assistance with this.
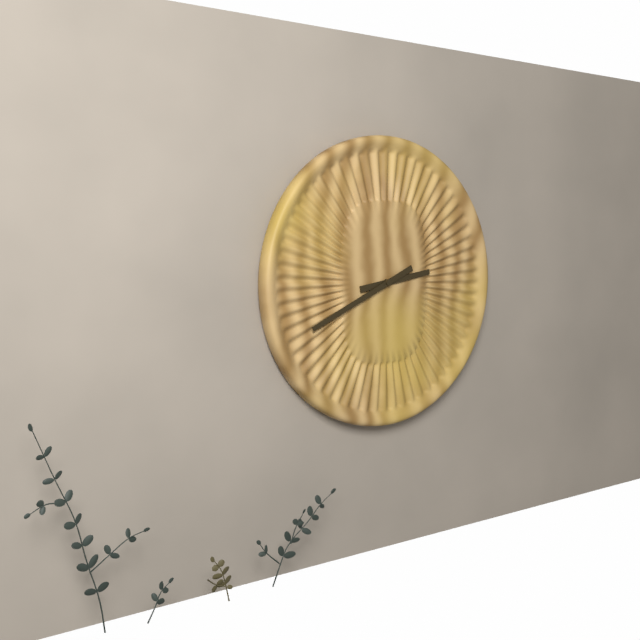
h=2 m=41
